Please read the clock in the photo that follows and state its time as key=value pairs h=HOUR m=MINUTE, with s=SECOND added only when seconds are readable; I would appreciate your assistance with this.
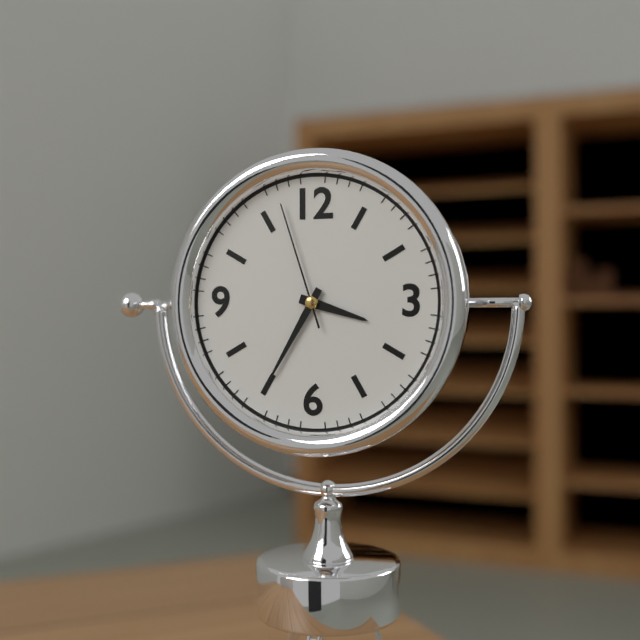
h=3 m=35 s=57
